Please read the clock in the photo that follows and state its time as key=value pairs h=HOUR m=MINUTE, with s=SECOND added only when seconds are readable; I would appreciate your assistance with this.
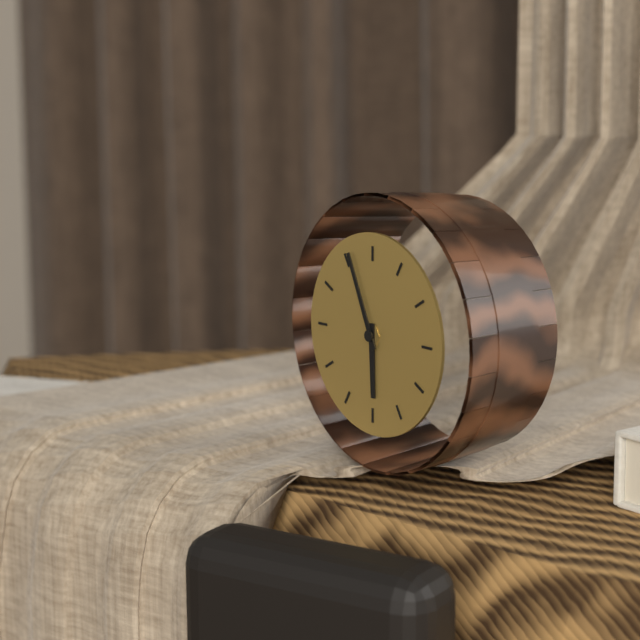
h=5 m=56
